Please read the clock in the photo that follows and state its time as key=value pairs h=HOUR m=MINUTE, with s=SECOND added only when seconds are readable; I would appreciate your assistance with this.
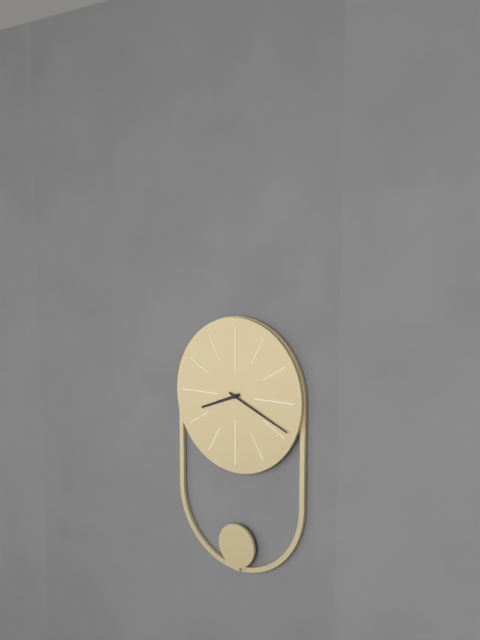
h=8 m=19
